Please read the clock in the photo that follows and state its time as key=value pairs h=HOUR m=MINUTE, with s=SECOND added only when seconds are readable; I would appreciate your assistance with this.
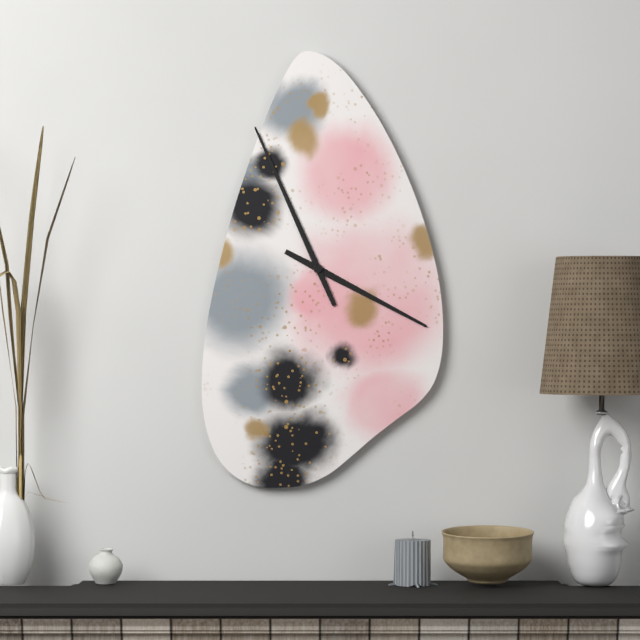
h=3 m=56
